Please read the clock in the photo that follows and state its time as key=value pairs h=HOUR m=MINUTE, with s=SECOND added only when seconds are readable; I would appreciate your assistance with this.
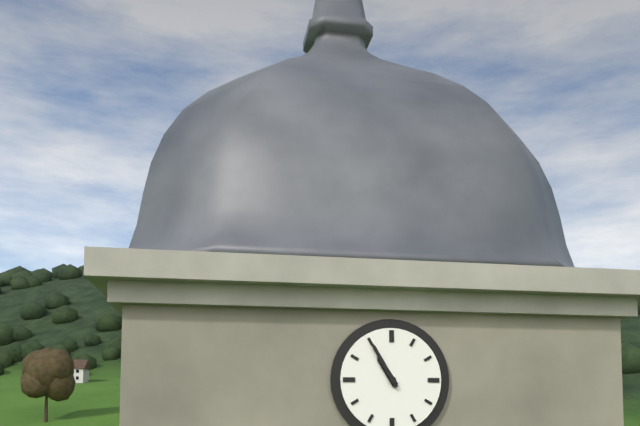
h=10 m=55
